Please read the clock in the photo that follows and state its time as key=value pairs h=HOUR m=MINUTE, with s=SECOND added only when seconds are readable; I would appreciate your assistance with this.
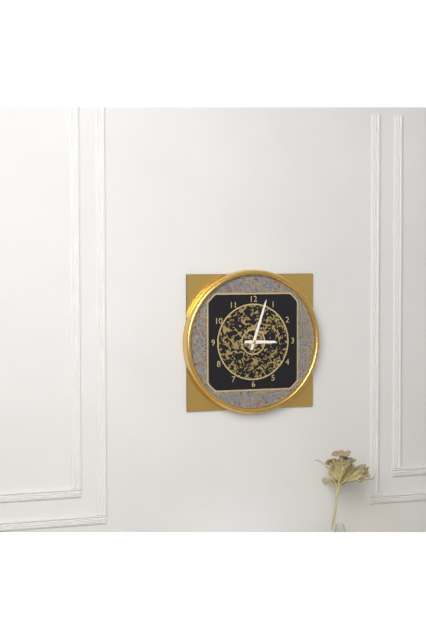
h=3 m=3
